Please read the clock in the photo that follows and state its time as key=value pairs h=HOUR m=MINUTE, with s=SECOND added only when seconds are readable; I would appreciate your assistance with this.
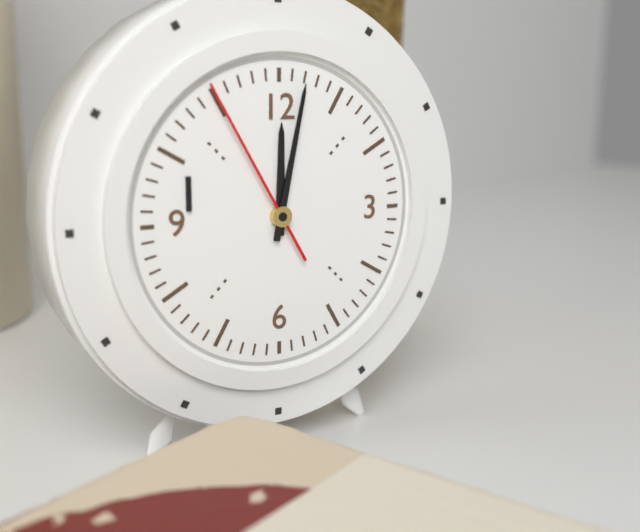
h=12 m=2 s=55
